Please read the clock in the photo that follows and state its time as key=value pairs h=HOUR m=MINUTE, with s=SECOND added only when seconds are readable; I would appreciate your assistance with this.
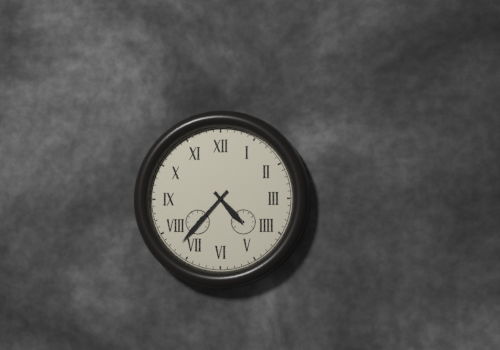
h=4 m=37
